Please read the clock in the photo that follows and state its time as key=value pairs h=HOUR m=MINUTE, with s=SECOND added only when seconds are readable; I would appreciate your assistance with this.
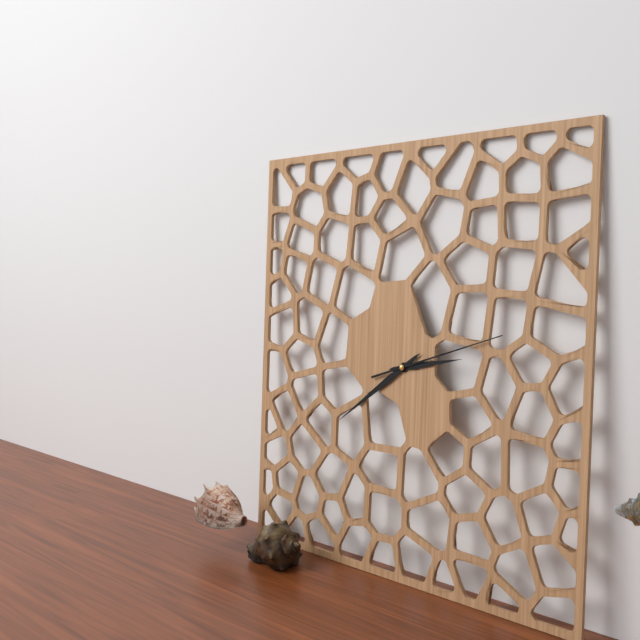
h=2 m=39 s=12
